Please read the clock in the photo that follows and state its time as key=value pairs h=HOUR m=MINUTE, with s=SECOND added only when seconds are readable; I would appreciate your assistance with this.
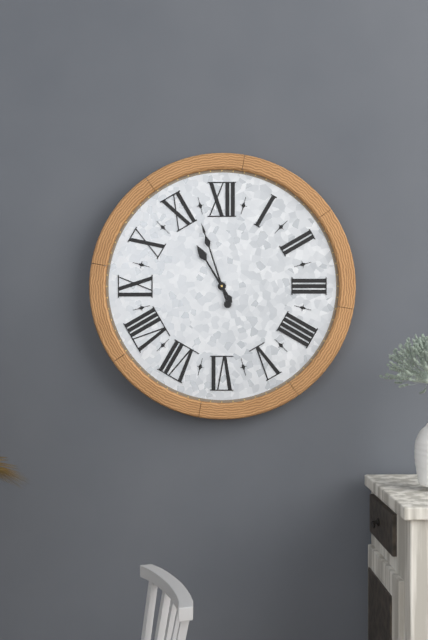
h=10 m=57
